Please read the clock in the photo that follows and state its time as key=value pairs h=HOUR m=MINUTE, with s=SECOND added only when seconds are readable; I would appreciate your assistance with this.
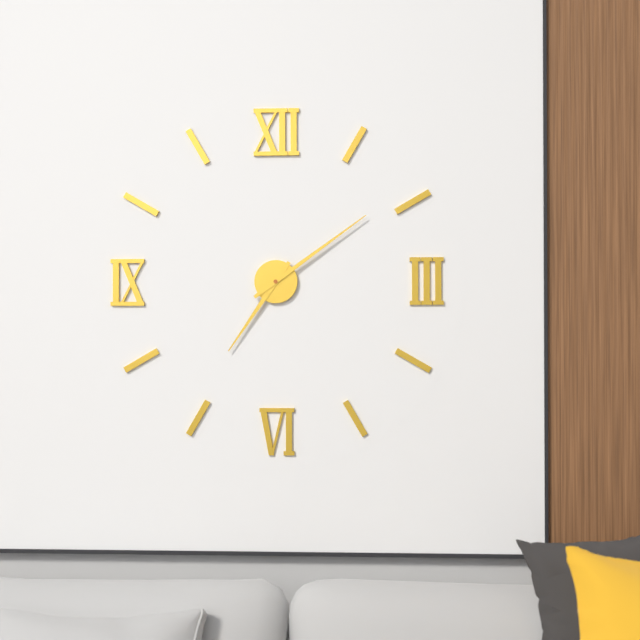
h=7 m=9
